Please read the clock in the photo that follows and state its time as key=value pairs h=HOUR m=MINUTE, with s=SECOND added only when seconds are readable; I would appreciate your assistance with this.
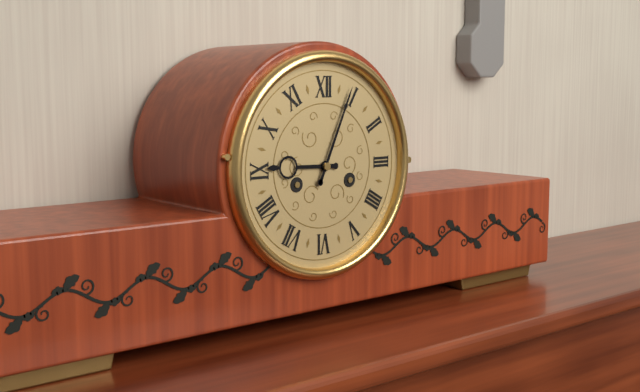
h=9 m=4
